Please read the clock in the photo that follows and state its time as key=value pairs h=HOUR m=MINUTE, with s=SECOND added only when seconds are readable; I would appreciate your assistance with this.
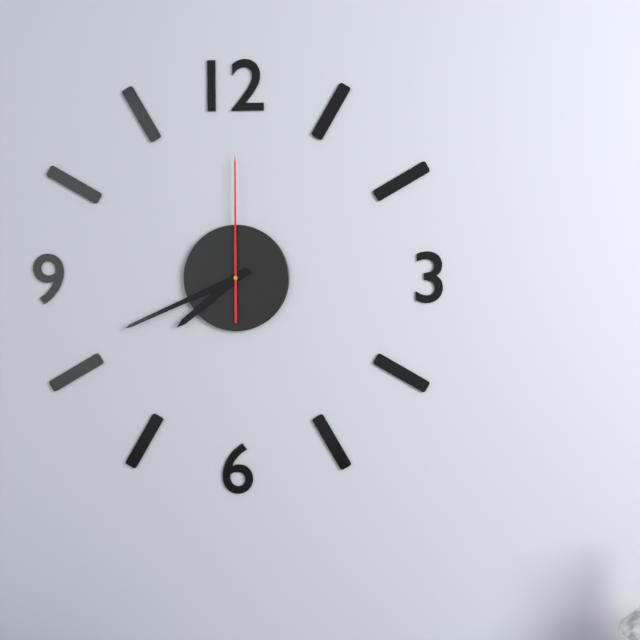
h=7 m=41 s=0
